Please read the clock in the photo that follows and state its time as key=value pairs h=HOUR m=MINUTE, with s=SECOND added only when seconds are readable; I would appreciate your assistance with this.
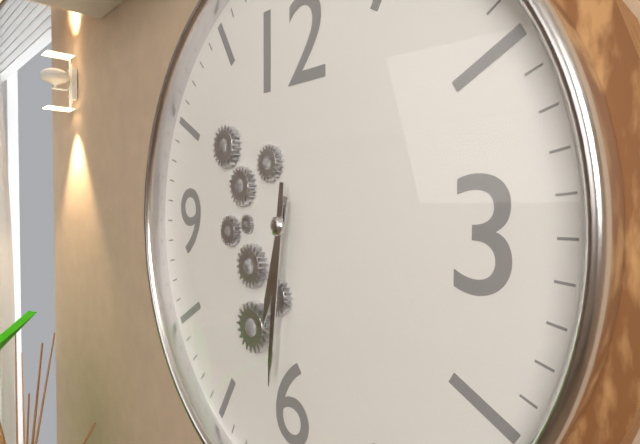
h=6 m=31
